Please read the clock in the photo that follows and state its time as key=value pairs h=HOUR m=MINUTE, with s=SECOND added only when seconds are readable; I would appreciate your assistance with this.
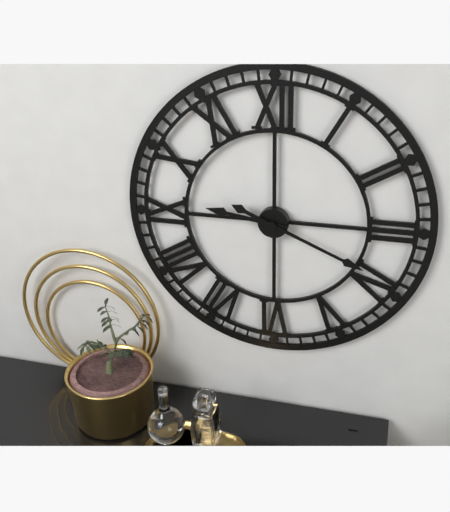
h=9 m=19
